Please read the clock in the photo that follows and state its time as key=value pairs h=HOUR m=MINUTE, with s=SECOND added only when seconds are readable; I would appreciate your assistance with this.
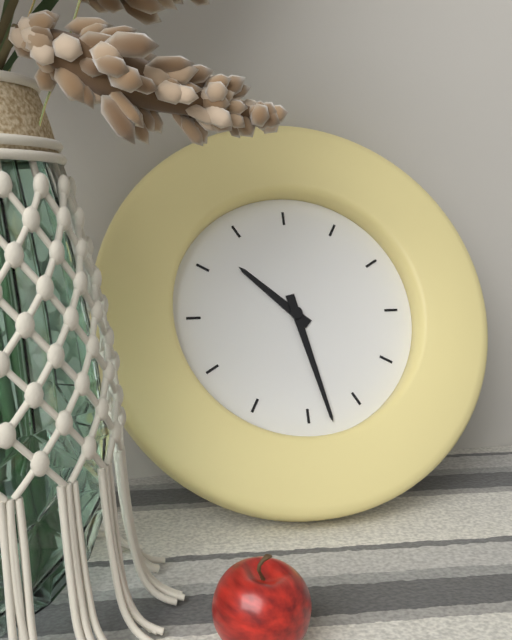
h=10 m=28
